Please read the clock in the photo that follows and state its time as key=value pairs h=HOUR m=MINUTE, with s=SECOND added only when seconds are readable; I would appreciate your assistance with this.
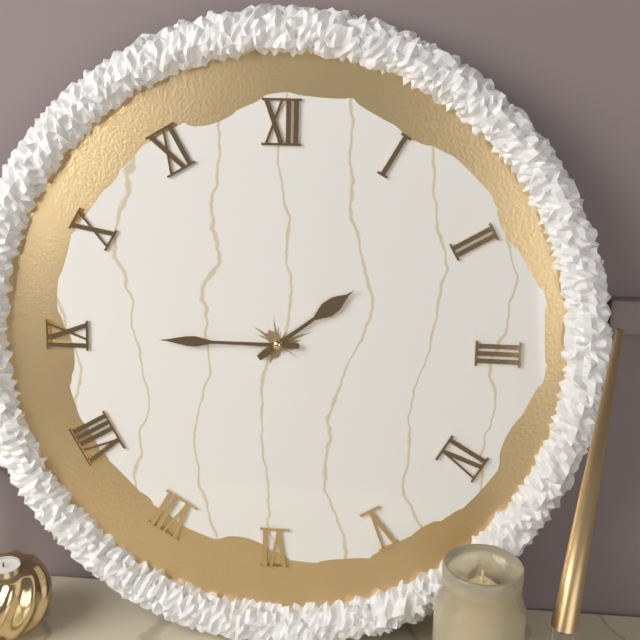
h=1 m=45
